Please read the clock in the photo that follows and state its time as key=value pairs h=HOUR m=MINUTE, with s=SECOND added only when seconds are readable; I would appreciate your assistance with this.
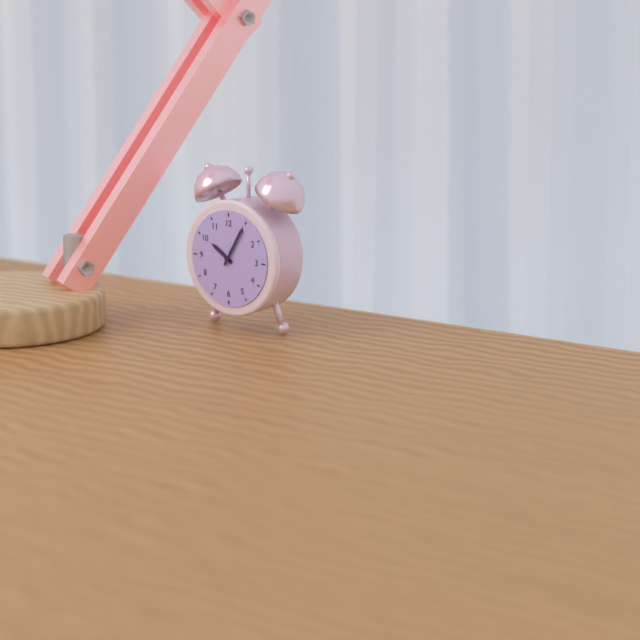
h=10 m=5
